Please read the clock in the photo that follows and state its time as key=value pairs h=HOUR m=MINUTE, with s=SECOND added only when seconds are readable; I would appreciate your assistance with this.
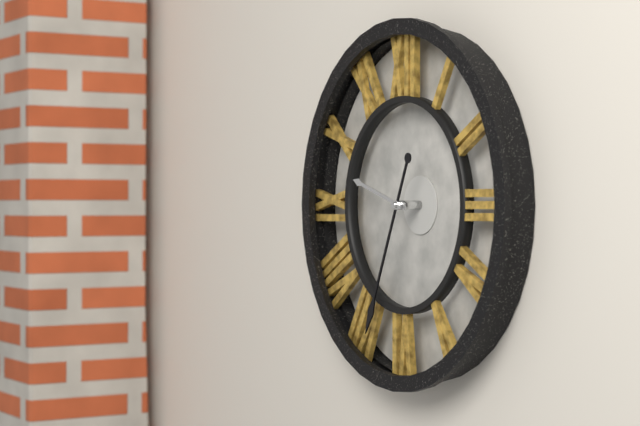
h=9 m=34
